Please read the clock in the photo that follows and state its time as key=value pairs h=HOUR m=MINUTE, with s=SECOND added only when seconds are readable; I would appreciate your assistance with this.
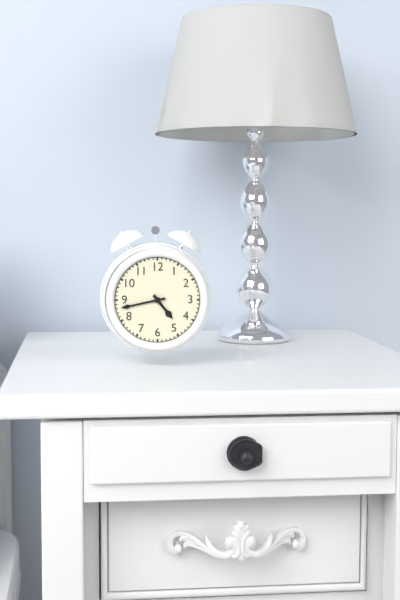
h=4 m=43
